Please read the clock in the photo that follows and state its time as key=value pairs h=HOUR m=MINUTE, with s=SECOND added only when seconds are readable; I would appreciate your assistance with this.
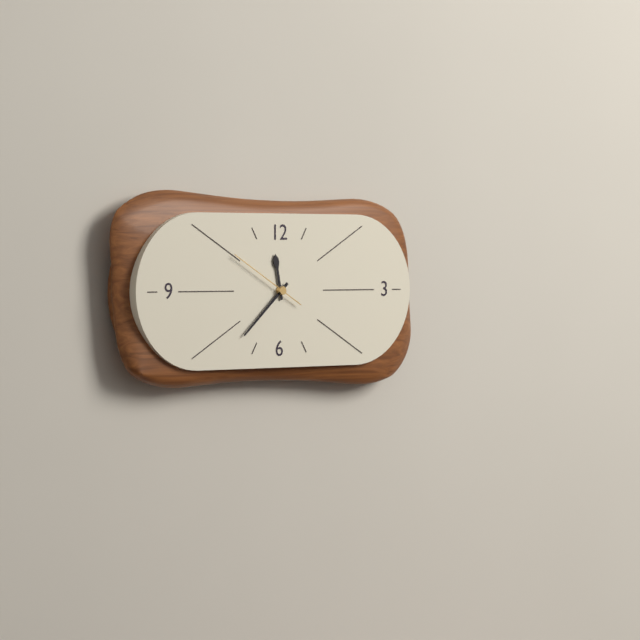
h=11 m=38 s=50
